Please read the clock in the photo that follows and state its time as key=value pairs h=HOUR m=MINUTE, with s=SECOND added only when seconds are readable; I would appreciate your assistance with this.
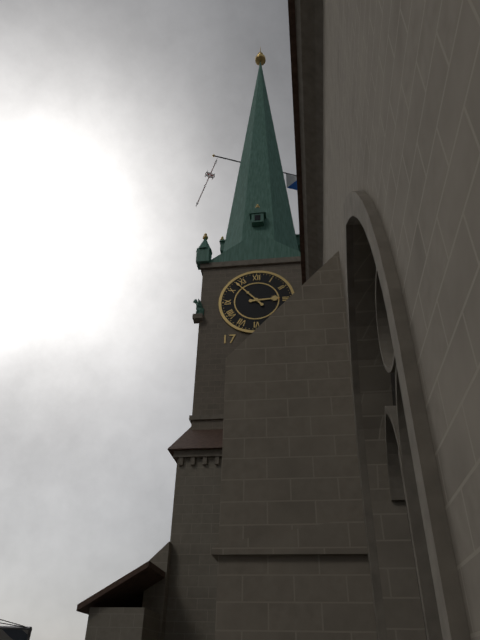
h=2 m=53
